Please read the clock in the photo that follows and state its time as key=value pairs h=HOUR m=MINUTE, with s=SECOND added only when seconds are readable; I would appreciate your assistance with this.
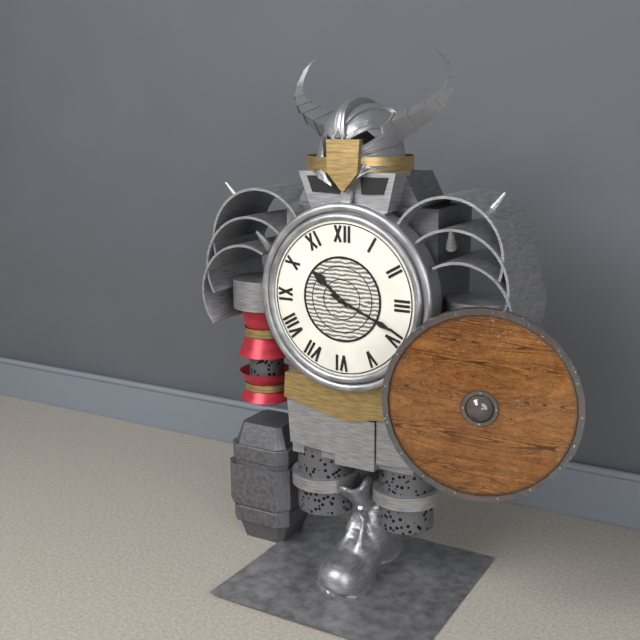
h=10 m=19
